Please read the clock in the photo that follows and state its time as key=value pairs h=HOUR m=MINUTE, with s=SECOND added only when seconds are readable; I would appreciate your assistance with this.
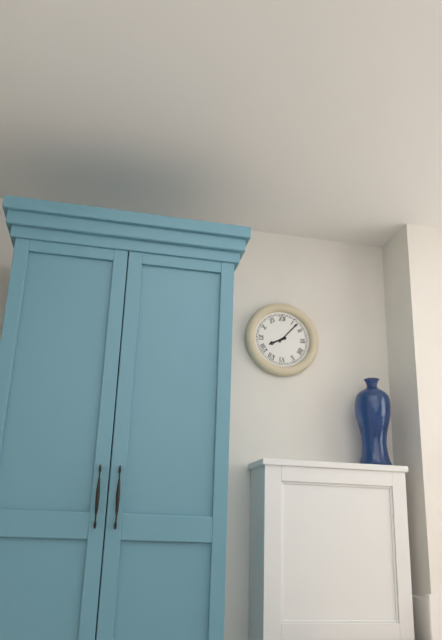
h=8 m=7
